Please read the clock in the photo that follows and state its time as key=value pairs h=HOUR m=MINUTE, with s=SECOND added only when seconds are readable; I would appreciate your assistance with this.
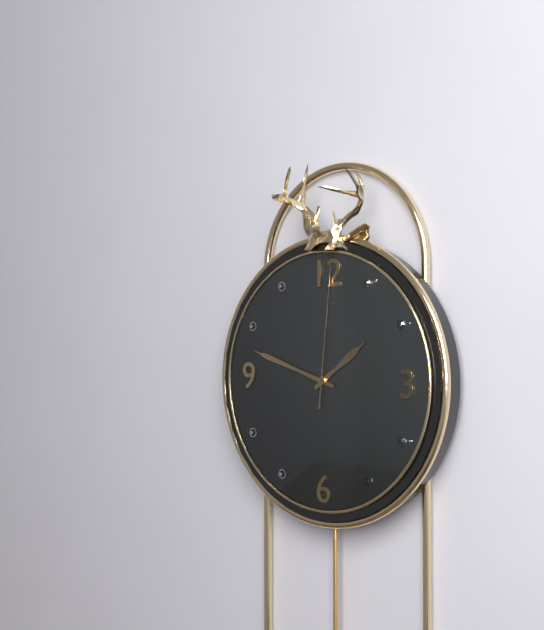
h=1 m=48 s=1
